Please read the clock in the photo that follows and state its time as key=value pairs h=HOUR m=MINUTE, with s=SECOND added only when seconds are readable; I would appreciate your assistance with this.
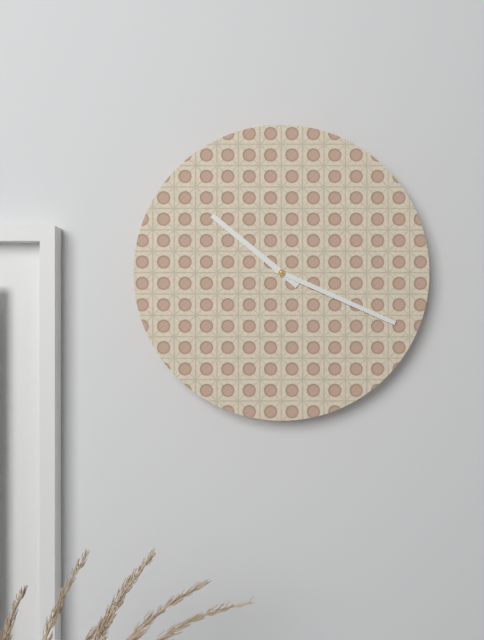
h=10 m=19
